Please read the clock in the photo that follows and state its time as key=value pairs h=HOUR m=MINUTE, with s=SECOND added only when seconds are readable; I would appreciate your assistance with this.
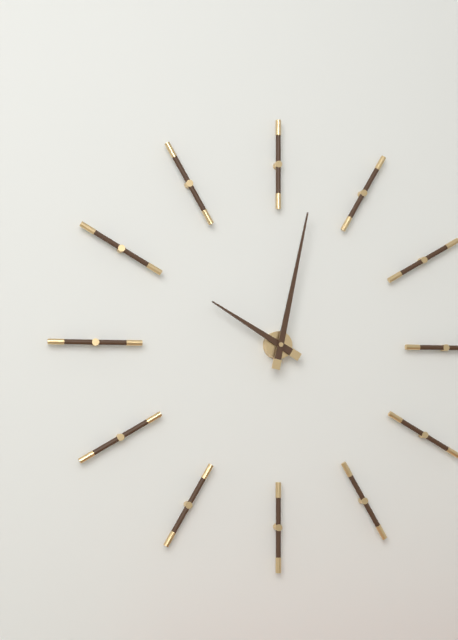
h=10 m=2
